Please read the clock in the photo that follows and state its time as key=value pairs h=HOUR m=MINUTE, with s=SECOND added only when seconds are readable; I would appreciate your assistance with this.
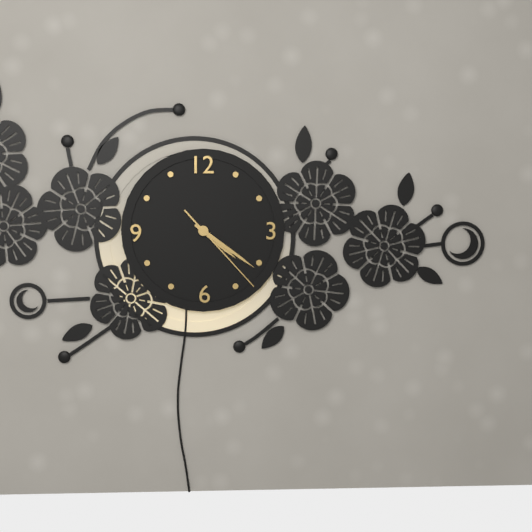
h=4 m=21 s=23
